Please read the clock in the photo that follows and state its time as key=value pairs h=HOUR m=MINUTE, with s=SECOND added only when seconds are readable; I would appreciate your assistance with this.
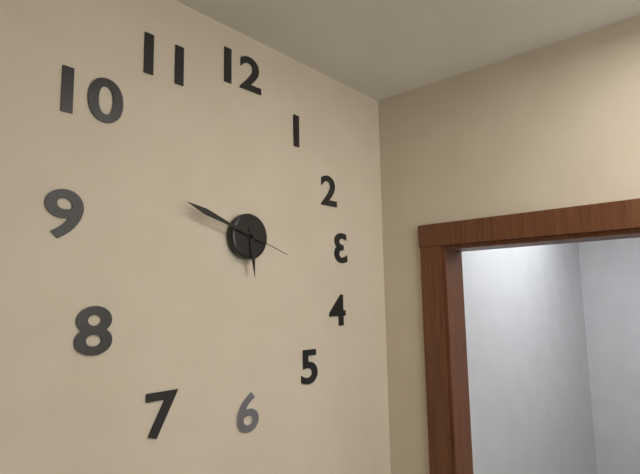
h=5 m=48 s=18
